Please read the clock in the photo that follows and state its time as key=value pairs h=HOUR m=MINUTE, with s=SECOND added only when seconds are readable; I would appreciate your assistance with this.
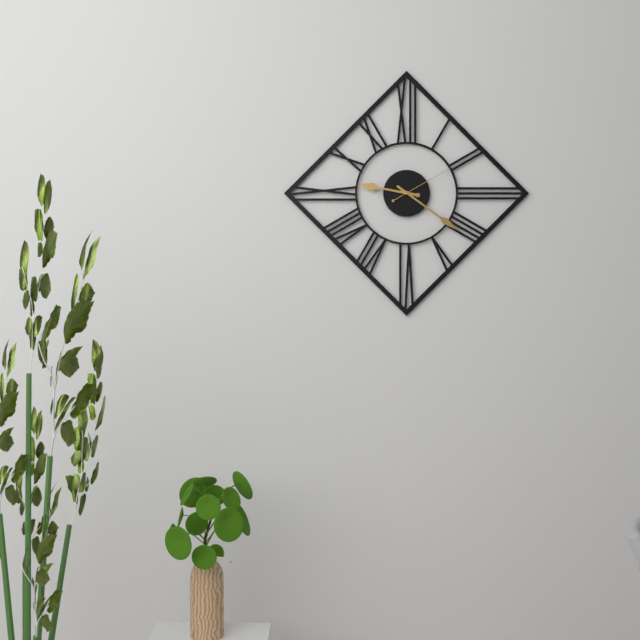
h=9 m=21 s=10
